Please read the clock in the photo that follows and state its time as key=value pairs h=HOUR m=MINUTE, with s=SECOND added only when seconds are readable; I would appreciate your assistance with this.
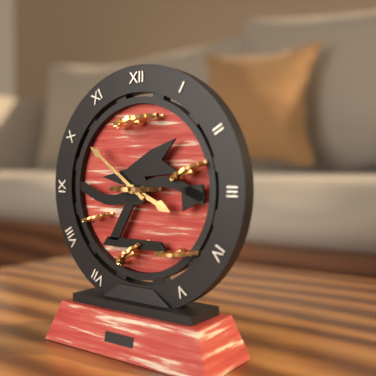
h=3 m=51
